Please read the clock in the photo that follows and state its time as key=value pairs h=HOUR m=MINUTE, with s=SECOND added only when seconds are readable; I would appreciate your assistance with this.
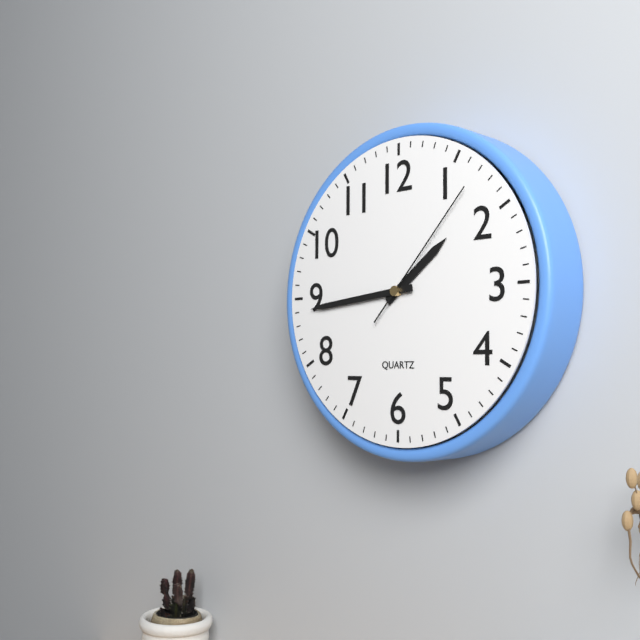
h=1 m=44 s=7
